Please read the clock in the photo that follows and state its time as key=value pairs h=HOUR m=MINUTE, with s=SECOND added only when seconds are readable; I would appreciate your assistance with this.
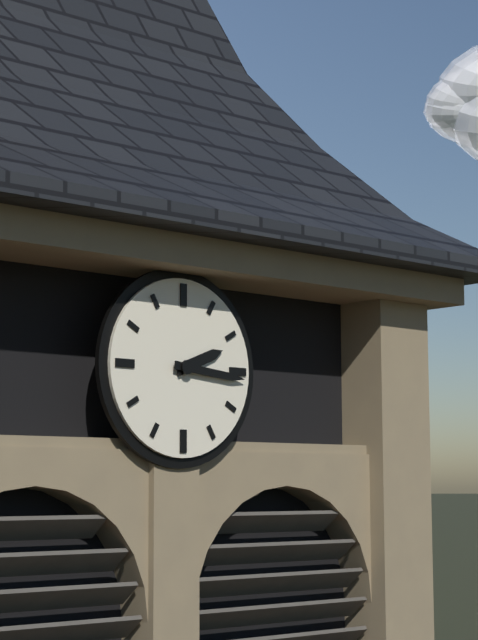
h=2 m=16
